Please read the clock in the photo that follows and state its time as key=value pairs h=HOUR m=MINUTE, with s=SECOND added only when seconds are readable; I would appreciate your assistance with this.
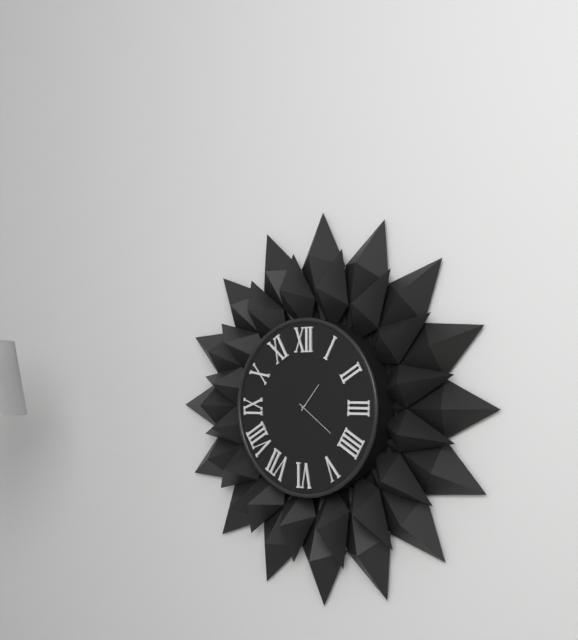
h=1 m=21
